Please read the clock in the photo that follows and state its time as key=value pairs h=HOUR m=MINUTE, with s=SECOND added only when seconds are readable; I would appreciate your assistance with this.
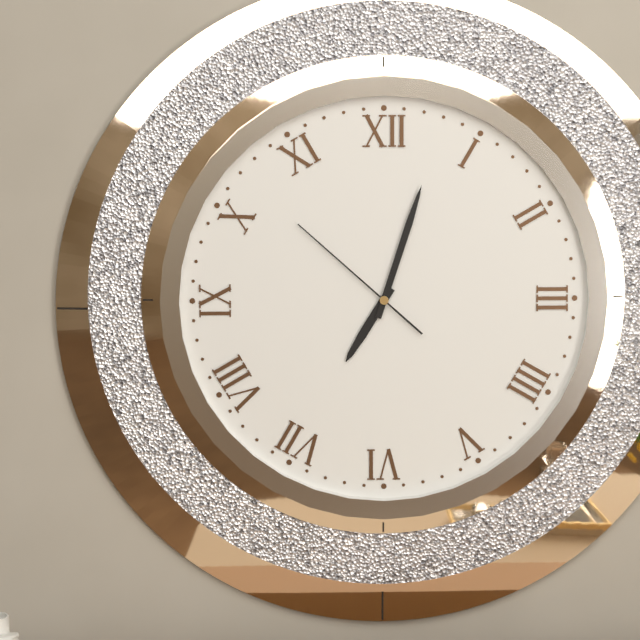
h=7 m=3 s=52
